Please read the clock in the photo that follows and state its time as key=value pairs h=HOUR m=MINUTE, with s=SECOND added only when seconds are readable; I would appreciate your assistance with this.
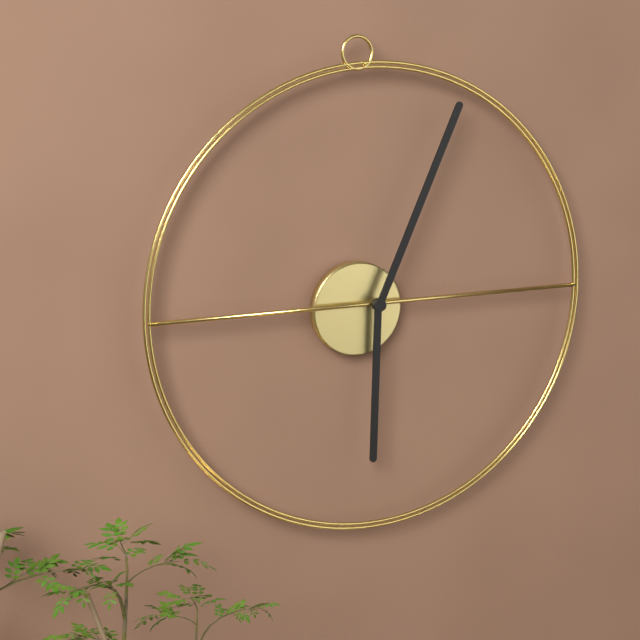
h=6 m=4
